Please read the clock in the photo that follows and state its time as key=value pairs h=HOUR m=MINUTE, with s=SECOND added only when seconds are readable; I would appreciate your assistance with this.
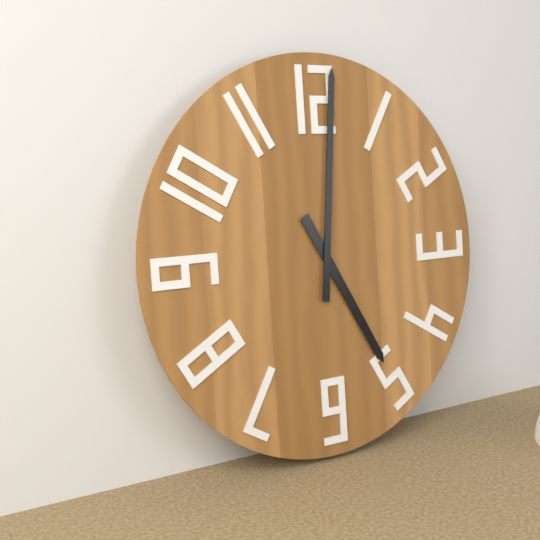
h=5 m=1
